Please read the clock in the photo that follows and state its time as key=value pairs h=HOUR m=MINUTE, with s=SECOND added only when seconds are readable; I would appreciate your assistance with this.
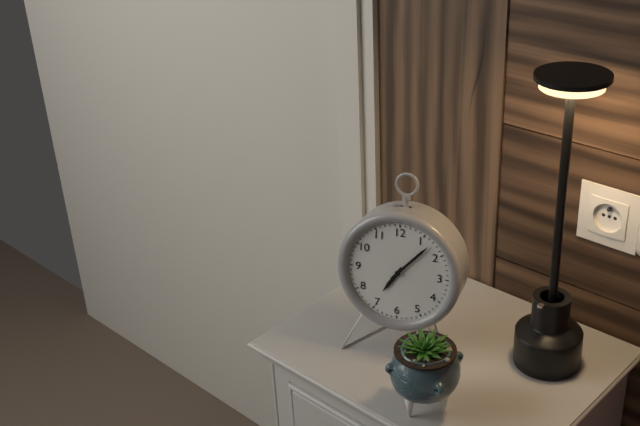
h=7 m=7
